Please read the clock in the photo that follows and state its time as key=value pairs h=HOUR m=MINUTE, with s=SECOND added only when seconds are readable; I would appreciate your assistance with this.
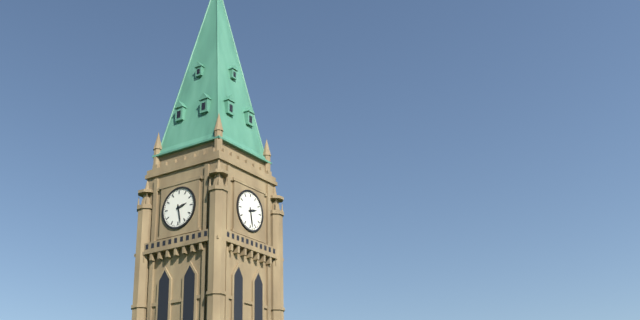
h=2 m=28
